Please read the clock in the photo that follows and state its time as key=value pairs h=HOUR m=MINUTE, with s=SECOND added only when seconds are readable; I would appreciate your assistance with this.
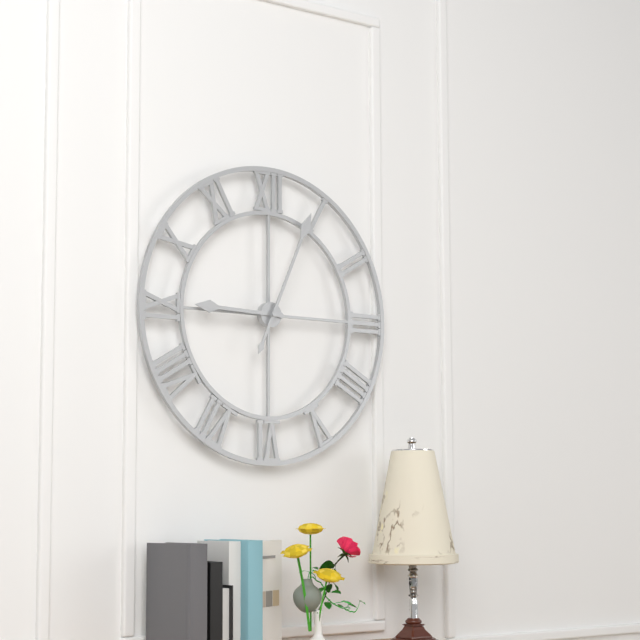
h=9 m=4
